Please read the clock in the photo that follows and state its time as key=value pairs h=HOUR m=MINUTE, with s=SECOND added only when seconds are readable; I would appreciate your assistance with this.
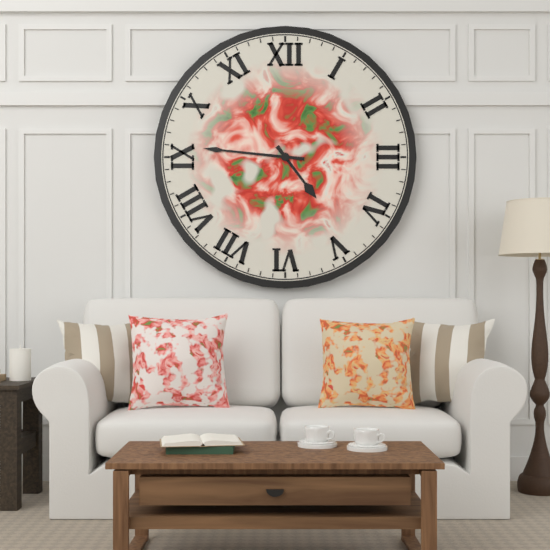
h=4 m=46
